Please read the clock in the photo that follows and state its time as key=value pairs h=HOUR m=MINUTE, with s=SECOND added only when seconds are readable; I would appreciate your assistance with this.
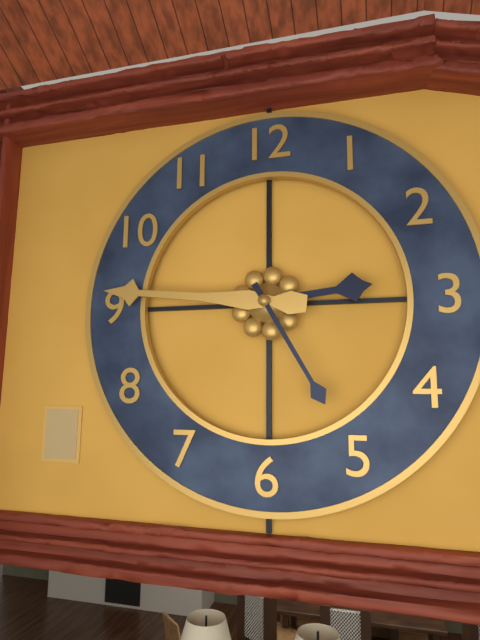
h=2 m=46 s=25
